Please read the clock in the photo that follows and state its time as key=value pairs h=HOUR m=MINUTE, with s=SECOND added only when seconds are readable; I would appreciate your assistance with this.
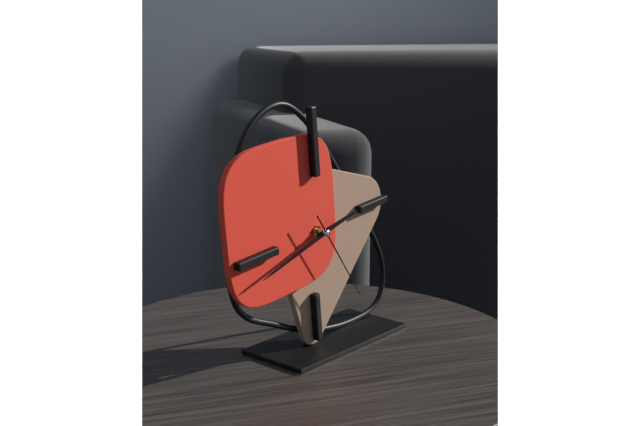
h=2 m=43 s=25
